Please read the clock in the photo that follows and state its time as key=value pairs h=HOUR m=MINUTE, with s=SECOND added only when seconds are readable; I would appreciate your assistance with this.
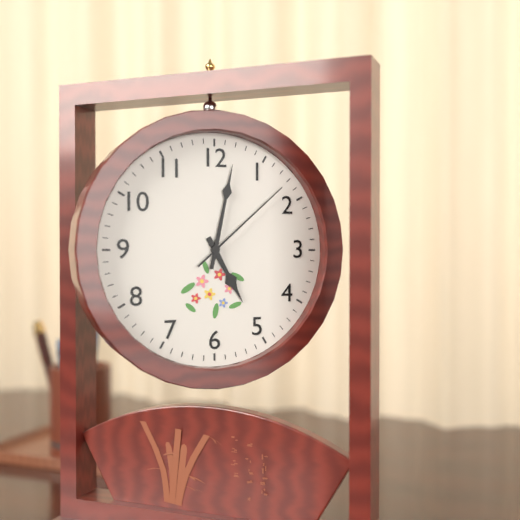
h=5 m=2 s=8
